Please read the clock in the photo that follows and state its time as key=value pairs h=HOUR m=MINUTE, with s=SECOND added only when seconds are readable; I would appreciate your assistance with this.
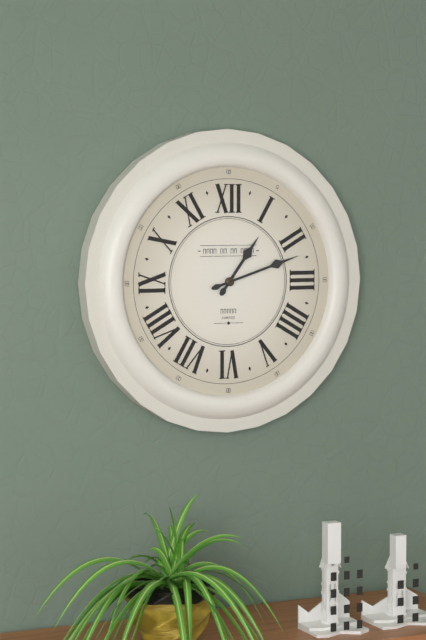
h=1 m=12
